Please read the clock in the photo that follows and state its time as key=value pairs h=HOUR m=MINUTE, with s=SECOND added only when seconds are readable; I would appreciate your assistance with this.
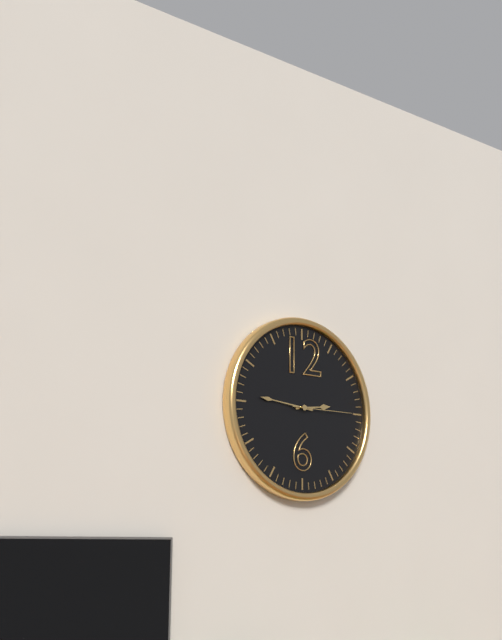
h=2 m=46 s=15
